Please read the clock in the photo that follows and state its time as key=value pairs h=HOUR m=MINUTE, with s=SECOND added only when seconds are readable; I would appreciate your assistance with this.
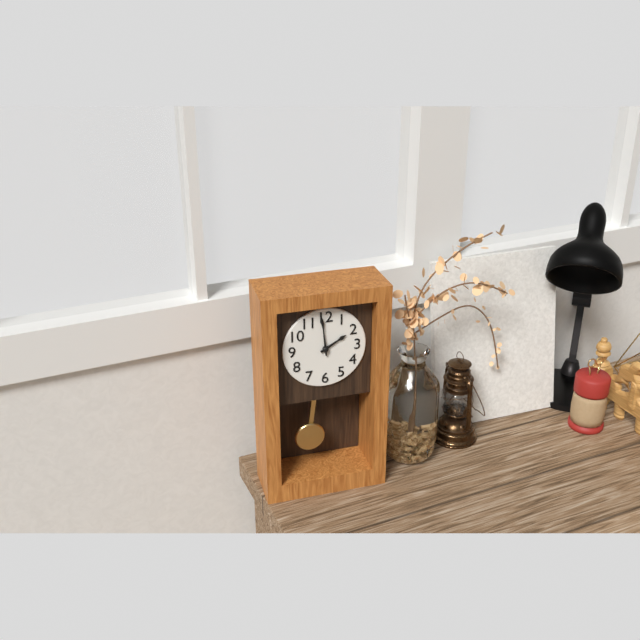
h=1 m=59
